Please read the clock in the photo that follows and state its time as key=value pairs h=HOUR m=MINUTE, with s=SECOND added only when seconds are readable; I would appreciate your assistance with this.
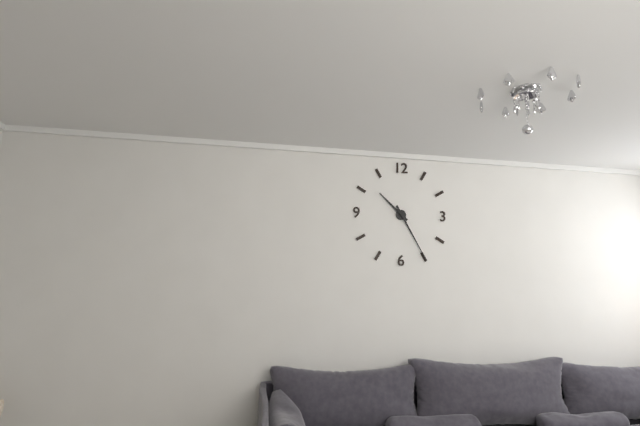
h=10 m=25
